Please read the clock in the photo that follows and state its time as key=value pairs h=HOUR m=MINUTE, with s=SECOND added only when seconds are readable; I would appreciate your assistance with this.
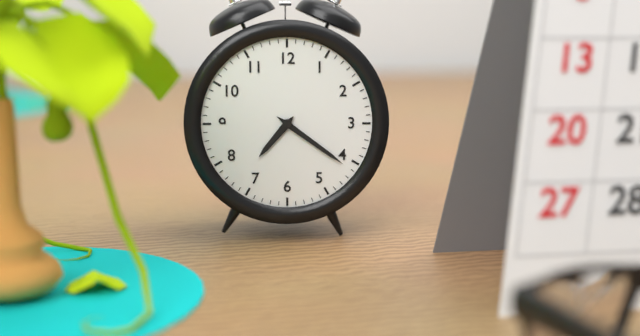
h=7 m=21
